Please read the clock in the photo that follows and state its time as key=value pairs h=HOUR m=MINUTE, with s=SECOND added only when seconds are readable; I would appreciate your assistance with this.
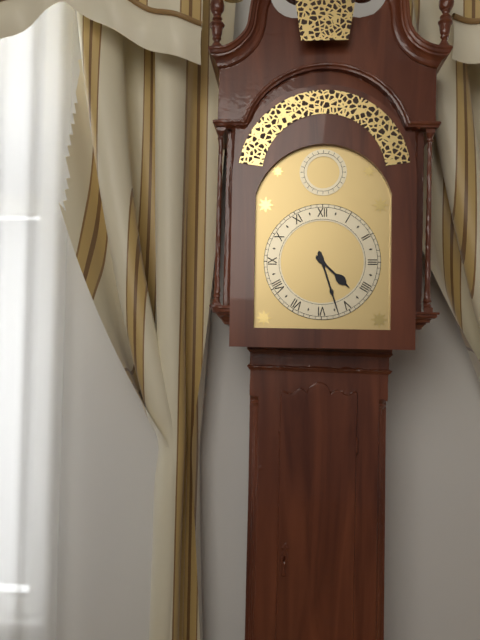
h=4 m=27
